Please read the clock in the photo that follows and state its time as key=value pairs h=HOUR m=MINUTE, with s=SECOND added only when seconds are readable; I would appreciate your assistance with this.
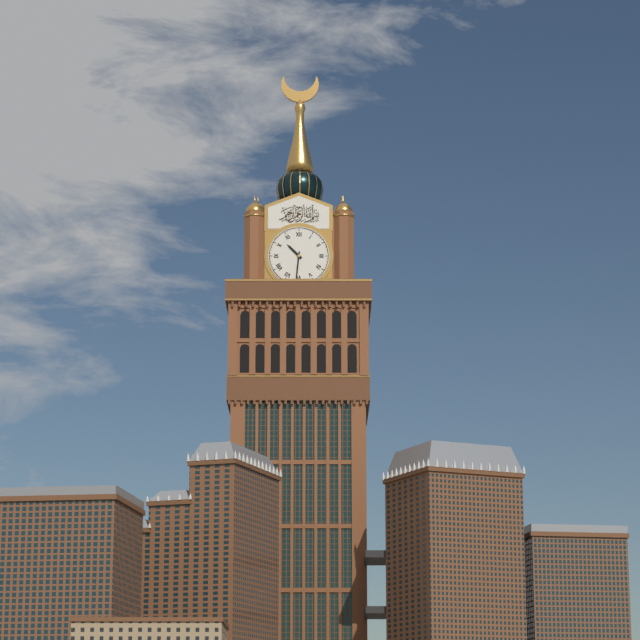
h=10 m=31
